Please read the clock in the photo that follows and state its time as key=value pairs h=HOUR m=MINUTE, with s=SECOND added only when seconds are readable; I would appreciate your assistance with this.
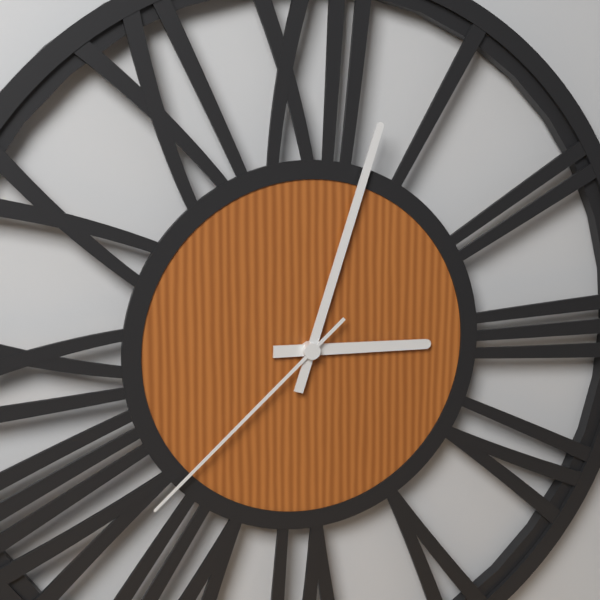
h=3 m=3 s=38
